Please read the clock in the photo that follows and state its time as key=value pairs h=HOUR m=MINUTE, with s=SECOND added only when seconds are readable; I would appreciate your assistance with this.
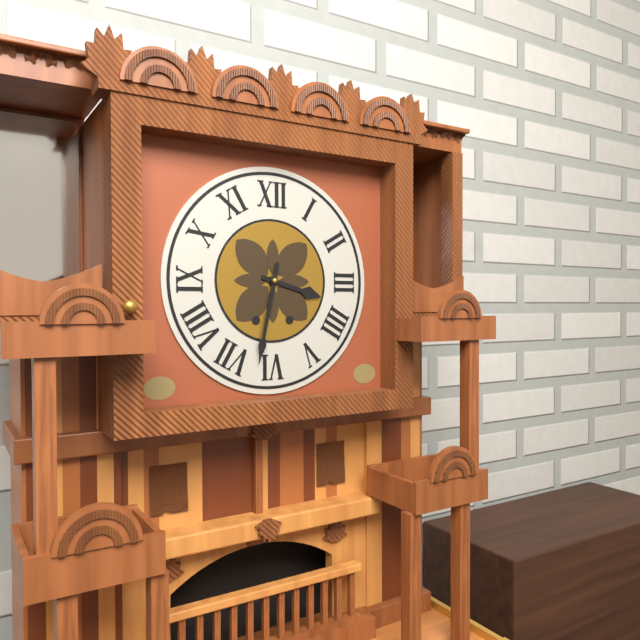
h=3 m=32
